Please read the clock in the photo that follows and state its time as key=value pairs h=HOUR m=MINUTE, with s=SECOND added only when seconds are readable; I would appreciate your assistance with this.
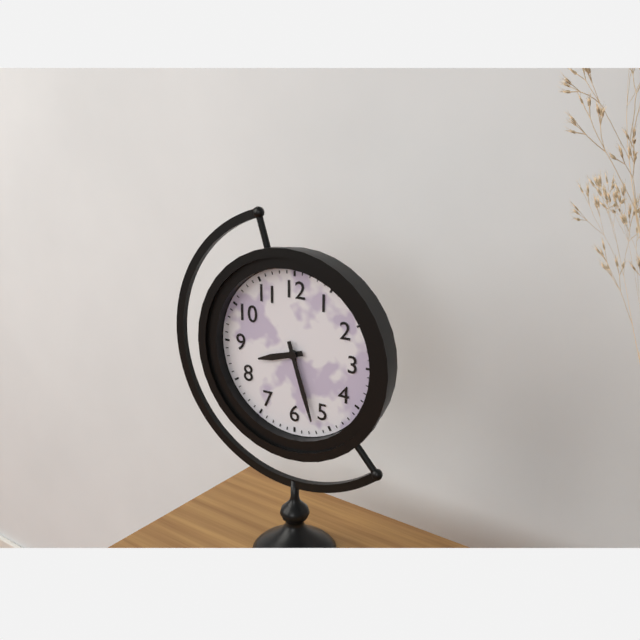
h=8 m=27
